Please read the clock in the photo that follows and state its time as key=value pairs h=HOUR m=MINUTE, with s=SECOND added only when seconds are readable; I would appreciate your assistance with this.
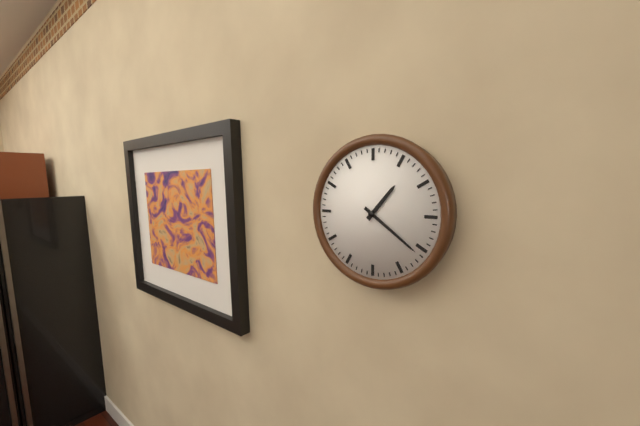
h=1 m=21
